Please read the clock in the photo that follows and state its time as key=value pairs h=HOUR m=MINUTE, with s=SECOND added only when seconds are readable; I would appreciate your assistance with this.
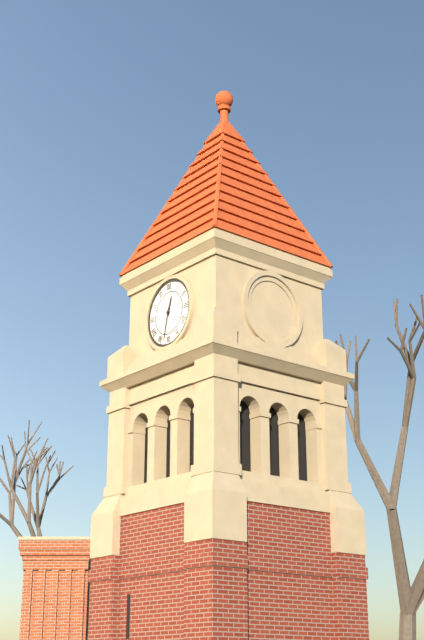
h=12 m=32
